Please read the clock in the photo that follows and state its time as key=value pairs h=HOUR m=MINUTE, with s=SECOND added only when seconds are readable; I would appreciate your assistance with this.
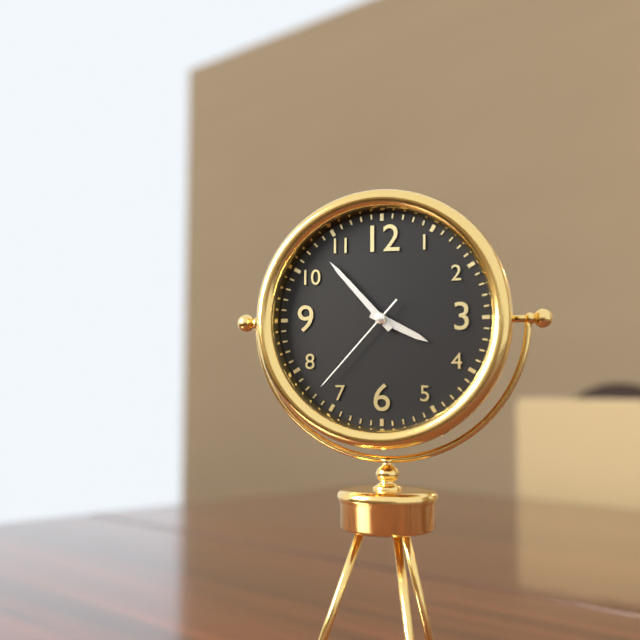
h=3 m=53 s=37
